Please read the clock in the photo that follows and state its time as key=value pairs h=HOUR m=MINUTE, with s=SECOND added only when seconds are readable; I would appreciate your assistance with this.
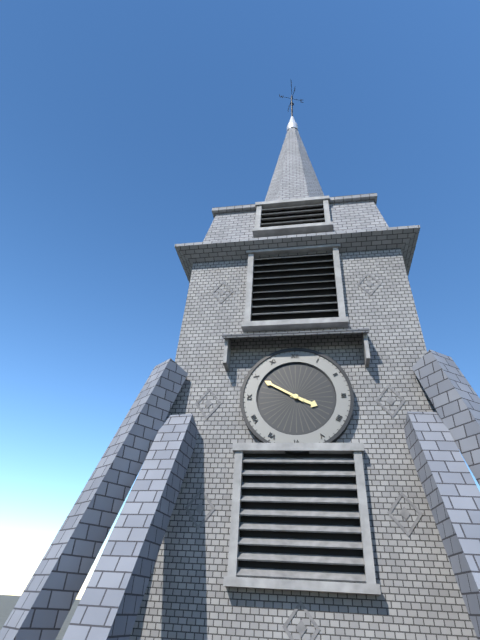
h=3 m=50
